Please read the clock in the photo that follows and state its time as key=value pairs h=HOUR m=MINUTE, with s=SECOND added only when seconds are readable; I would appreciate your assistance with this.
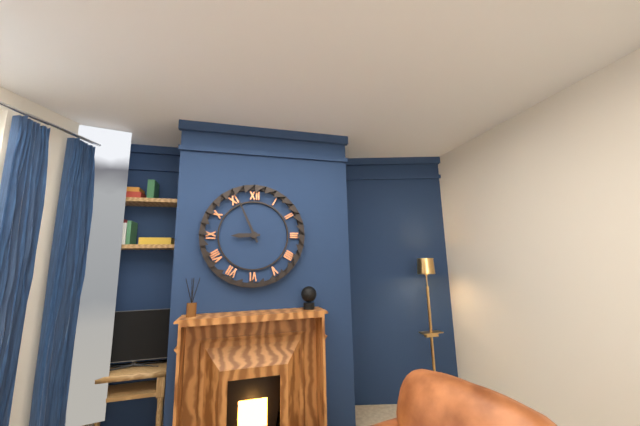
h=8 m=56
